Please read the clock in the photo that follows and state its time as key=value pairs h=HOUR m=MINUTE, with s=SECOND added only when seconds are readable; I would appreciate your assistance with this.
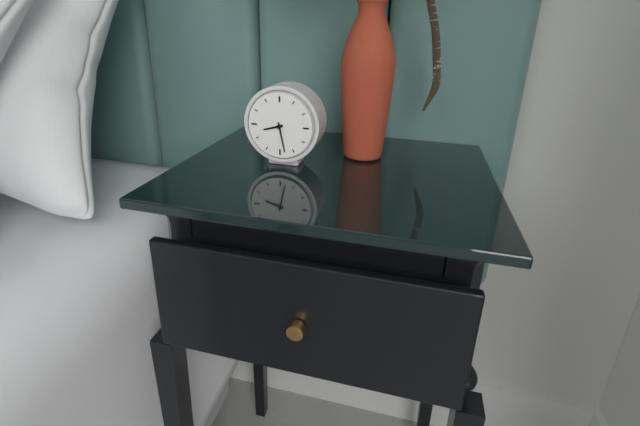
h=8 m=28
